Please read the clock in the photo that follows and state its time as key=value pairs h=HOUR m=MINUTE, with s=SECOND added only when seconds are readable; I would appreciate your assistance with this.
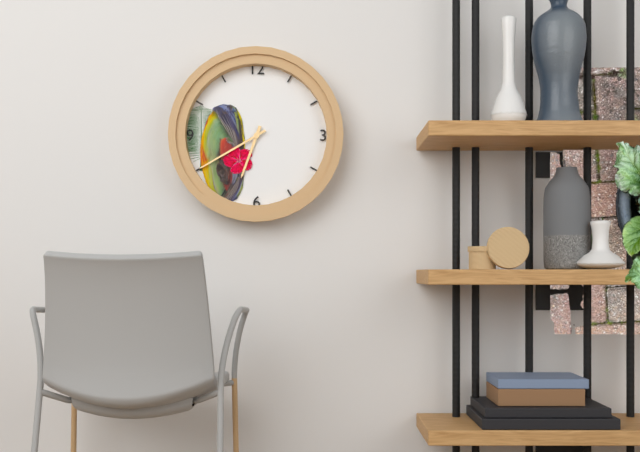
h=6 m=40
